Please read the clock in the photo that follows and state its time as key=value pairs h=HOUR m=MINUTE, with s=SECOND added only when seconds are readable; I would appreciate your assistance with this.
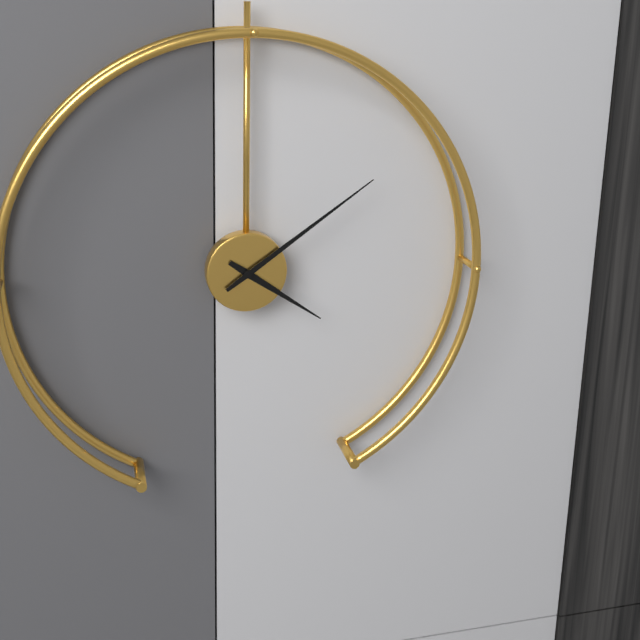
h=4 m=9
